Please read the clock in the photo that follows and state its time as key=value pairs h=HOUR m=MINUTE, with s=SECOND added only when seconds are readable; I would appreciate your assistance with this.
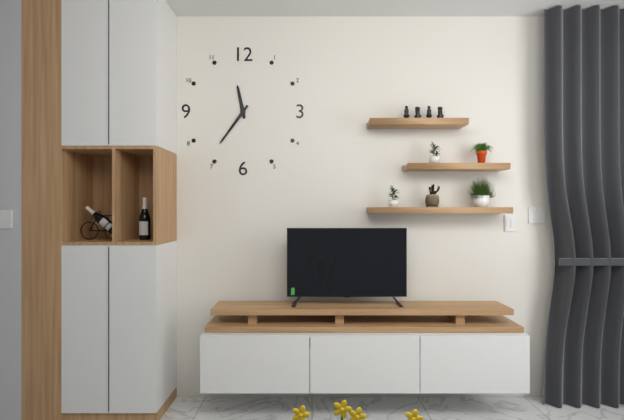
h=11 m=36
